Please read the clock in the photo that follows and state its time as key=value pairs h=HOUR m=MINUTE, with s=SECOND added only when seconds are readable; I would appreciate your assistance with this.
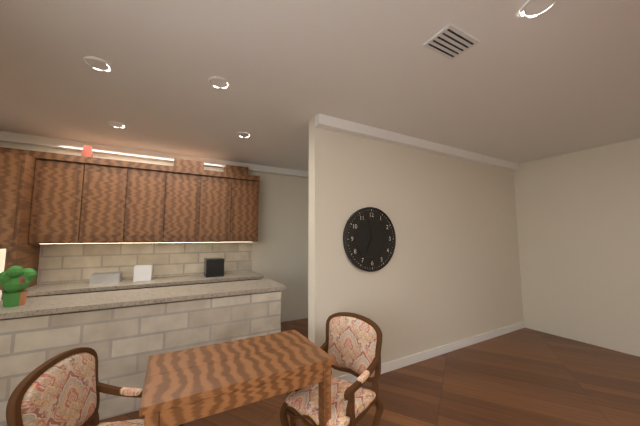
h=6 m=58
